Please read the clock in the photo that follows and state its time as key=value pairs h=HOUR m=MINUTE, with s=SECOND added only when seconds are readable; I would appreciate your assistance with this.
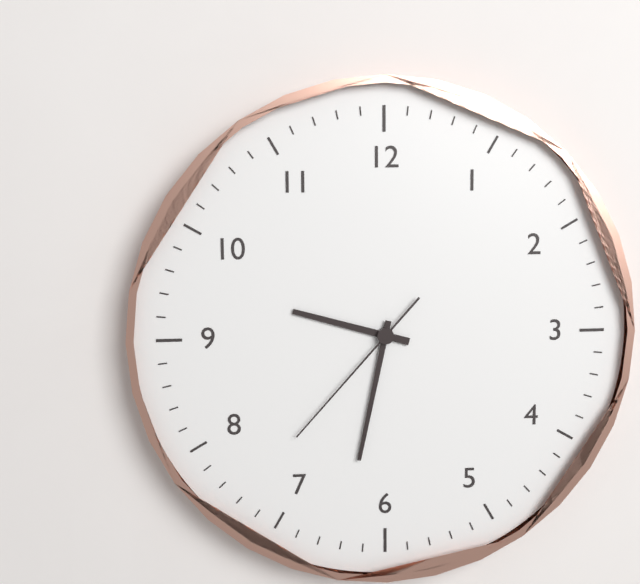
h=9 m=32 s=37
